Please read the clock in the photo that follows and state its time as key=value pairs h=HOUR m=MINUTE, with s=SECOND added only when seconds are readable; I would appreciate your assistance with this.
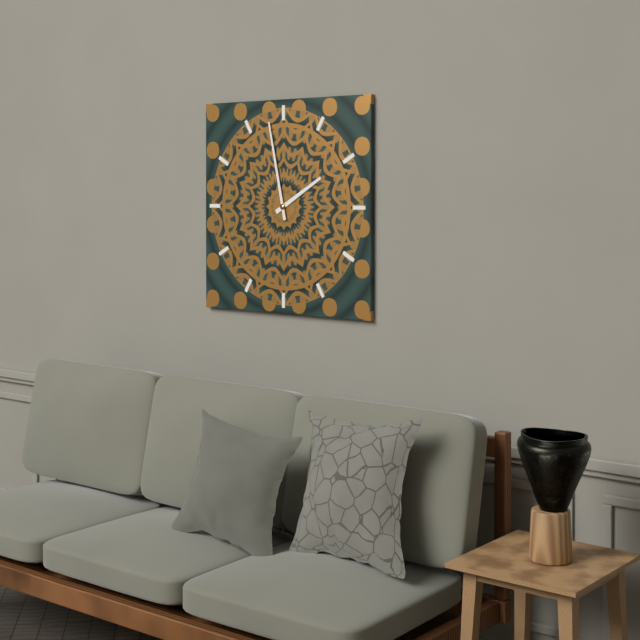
h=1 m=58
